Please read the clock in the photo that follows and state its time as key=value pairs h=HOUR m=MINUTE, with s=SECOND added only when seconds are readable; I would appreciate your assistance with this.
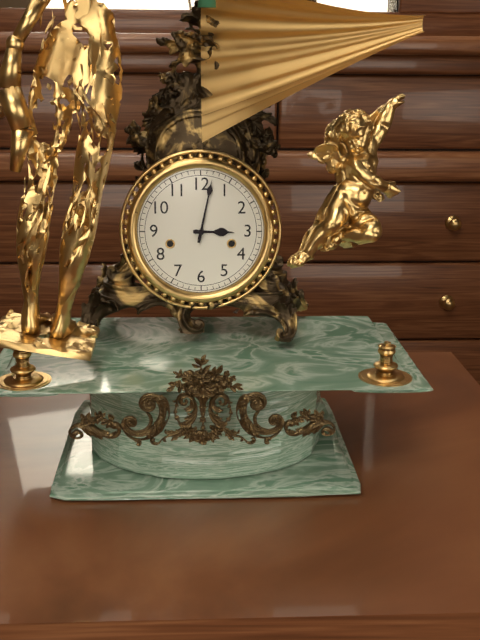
h=3 m=2
